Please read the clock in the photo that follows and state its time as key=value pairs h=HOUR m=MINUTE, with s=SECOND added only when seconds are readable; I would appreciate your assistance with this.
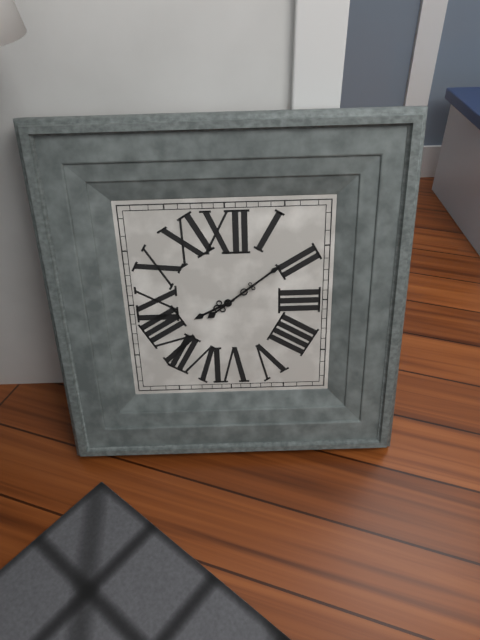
h=8 m=9
